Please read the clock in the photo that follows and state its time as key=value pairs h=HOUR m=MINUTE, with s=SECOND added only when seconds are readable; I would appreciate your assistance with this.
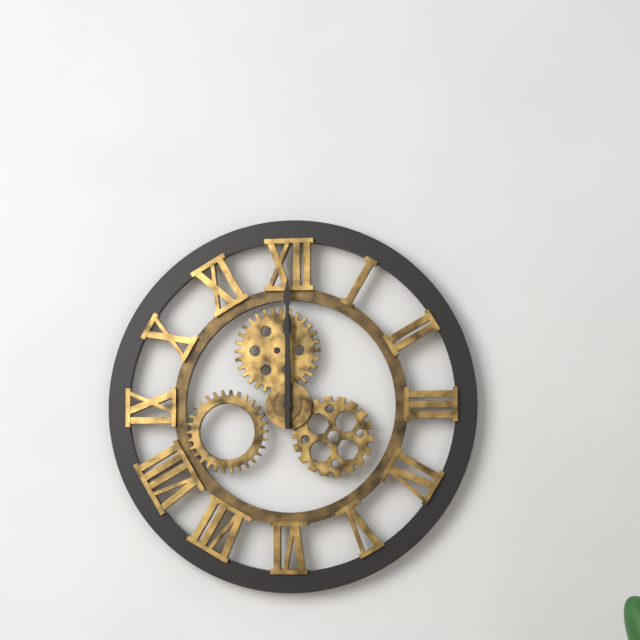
h=12 m=0
